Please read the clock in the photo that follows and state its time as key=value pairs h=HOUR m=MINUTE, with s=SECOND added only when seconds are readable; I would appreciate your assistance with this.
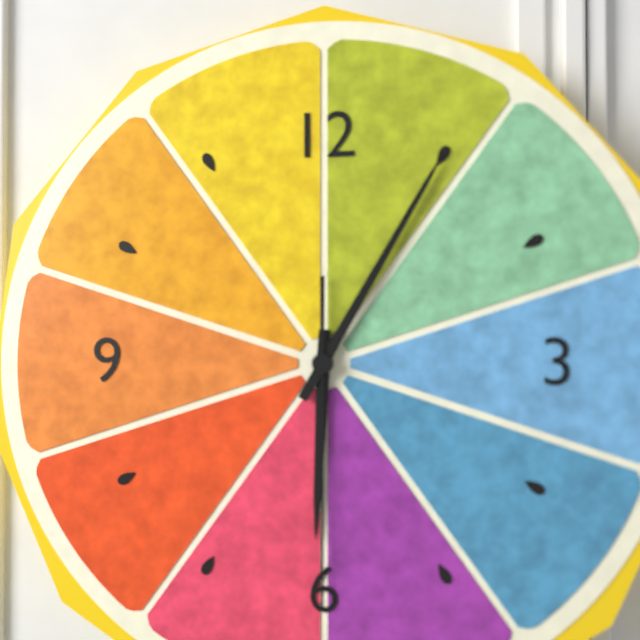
h=6 m=5 s=30
